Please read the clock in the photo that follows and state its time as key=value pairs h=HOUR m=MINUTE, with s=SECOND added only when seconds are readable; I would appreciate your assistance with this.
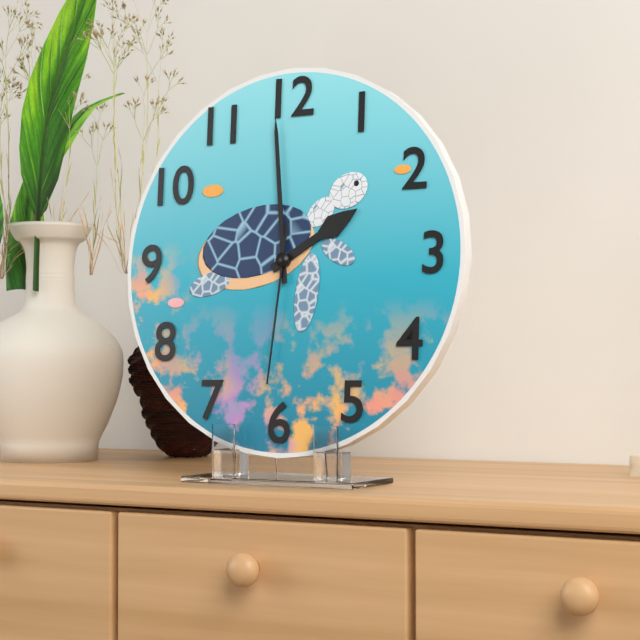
h=1 m=59 s=31
